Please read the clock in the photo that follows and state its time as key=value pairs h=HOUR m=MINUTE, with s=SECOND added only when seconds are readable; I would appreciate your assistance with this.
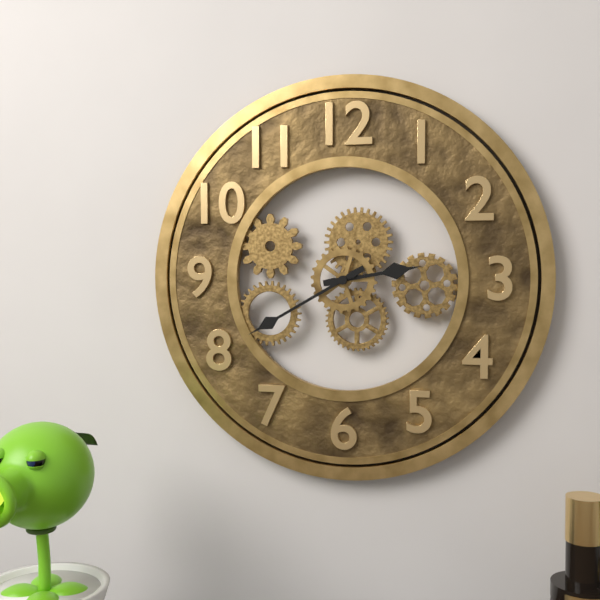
h=2 m=40
